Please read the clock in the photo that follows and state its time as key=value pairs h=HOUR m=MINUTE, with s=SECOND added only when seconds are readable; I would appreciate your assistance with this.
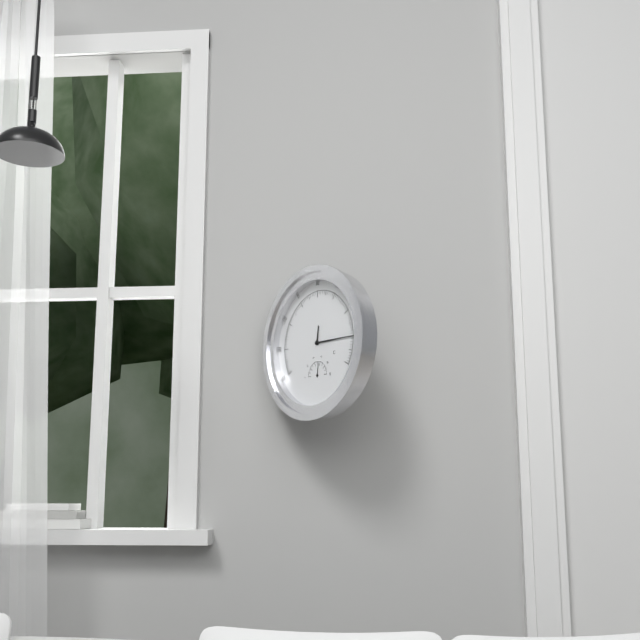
h=12 m=15
